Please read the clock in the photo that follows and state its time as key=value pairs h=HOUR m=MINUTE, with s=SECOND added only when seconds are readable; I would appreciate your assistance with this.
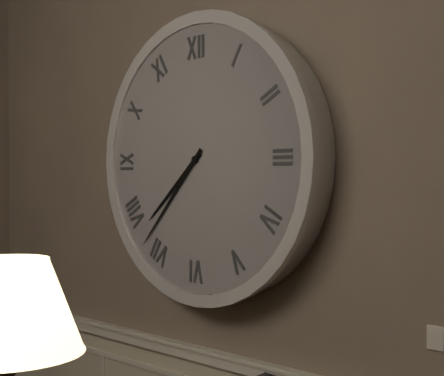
h=7 m=37
